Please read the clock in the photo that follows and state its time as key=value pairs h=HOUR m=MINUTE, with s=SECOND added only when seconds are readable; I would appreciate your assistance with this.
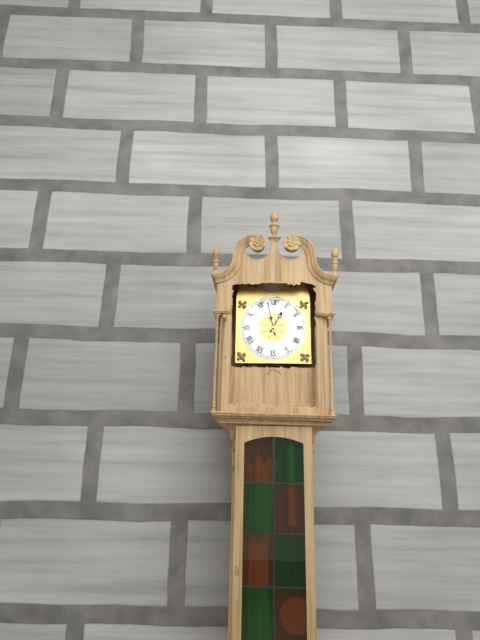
h=12 m=58
